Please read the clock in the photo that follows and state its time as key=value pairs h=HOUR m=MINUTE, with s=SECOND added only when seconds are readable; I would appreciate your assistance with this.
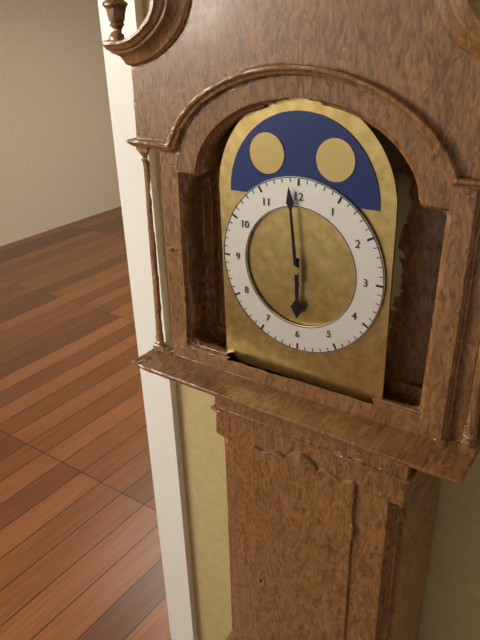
h=5 m=59
